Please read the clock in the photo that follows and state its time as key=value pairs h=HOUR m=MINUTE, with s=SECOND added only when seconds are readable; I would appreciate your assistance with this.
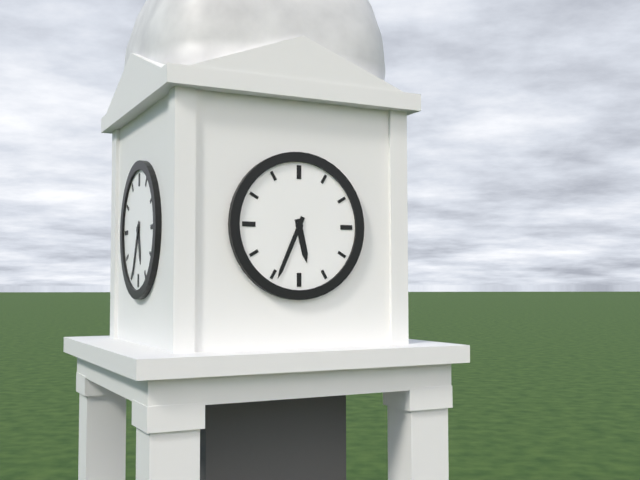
h=5 m=34
